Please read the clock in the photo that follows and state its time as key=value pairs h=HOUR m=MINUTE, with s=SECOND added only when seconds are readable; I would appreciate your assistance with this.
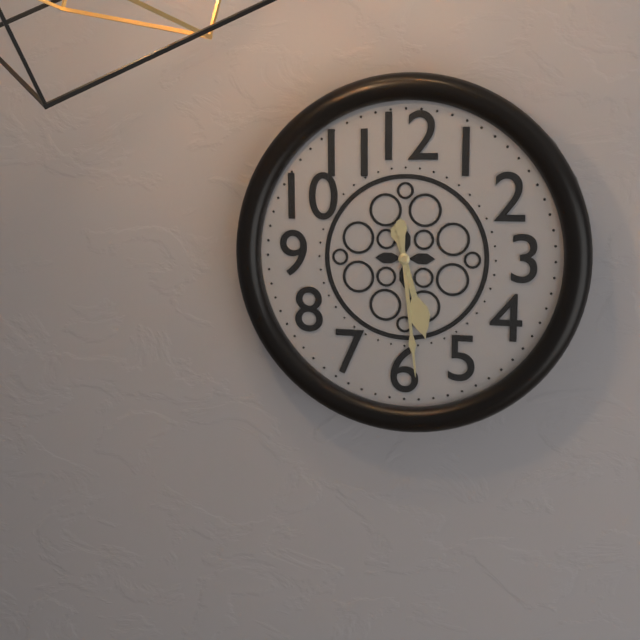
h=5 m=29
